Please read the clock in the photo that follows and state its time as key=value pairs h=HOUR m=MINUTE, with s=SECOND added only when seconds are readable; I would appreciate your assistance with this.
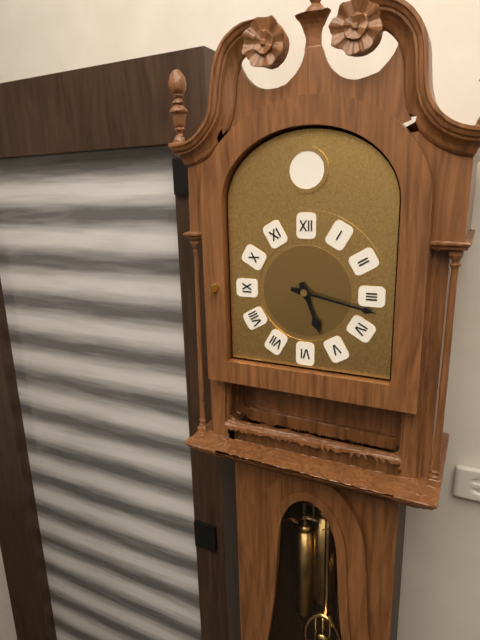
h=5 m=17
